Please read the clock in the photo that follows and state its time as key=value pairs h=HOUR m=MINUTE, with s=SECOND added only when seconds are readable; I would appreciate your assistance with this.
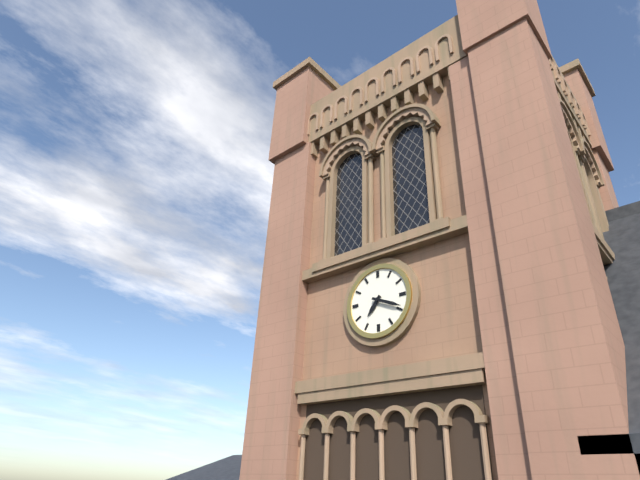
h=7 m=19
